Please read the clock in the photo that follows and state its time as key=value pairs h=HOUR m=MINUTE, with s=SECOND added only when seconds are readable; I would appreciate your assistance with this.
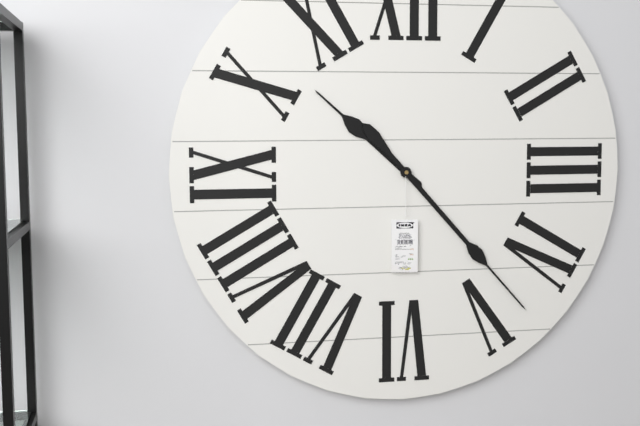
h=10 m=23
